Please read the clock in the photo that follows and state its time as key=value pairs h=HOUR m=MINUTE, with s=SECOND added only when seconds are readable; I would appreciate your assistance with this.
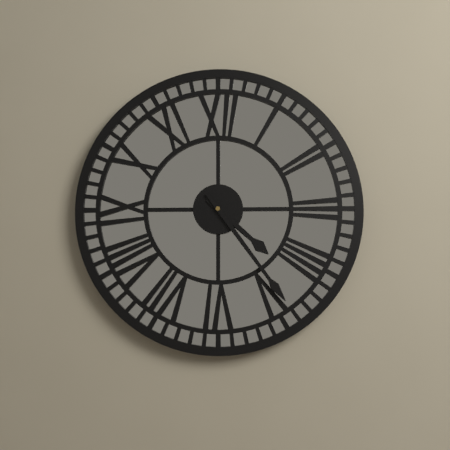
h=4 m=24
